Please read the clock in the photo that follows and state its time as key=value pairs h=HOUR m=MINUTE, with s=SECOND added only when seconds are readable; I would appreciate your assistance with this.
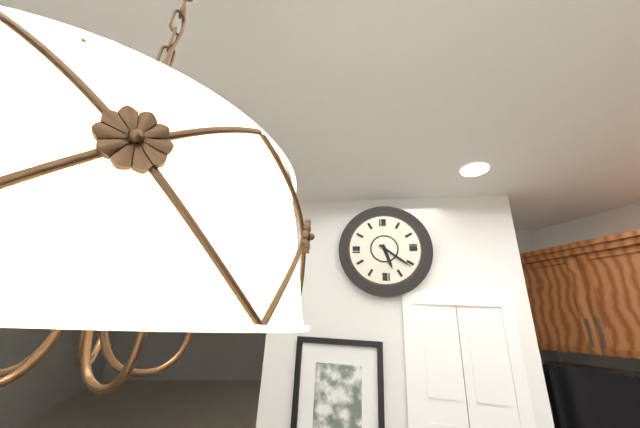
h=5 m=21
